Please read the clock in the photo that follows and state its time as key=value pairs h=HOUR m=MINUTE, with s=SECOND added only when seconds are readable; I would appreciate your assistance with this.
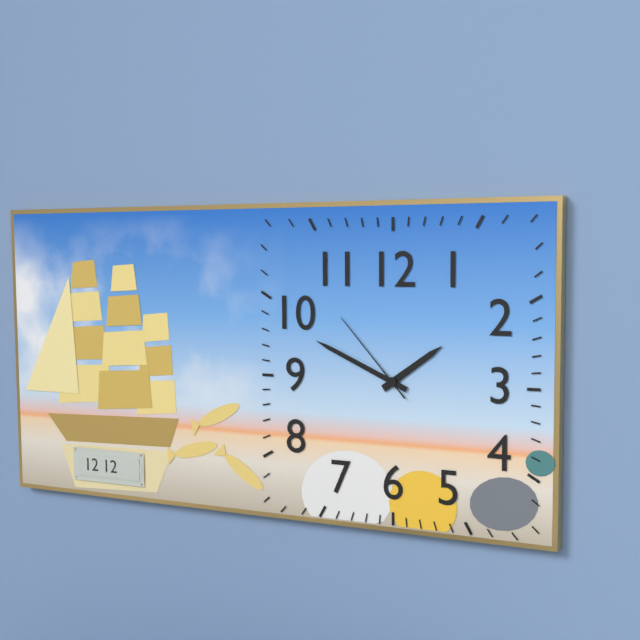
h=1 m=49 s=53
